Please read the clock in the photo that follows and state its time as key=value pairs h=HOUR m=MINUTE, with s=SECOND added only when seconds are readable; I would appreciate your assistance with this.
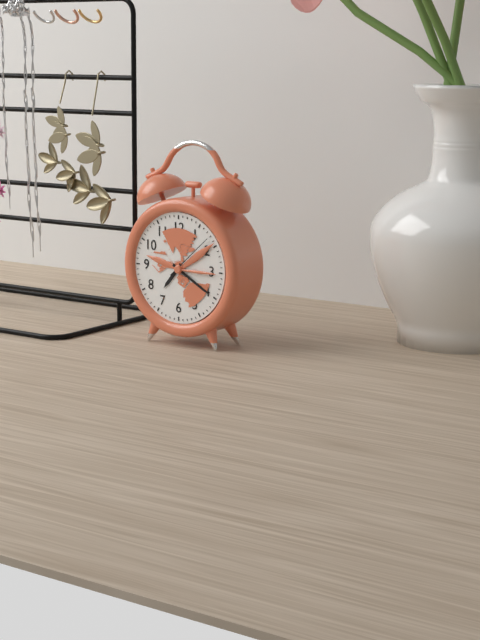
h=7 m=20 s=8
